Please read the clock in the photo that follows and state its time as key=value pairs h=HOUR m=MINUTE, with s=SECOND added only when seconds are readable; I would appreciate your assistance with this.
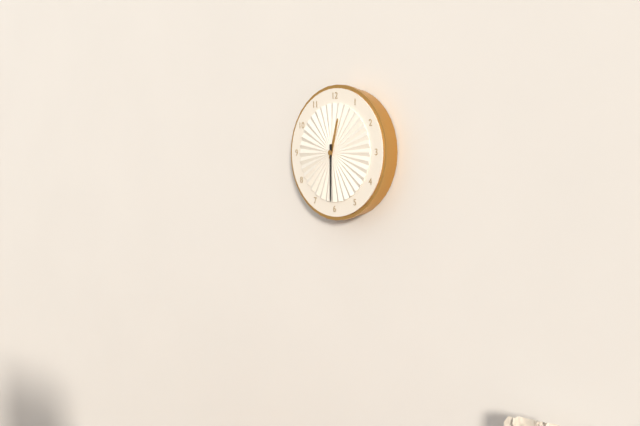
h=12 m=30
